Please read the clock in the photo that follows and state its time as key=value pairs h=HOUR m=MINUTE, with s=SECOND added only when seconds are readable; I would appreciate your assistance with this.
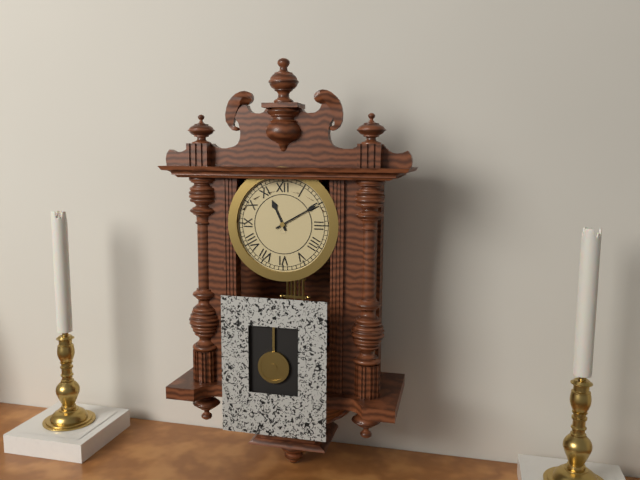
h=11 m=10
